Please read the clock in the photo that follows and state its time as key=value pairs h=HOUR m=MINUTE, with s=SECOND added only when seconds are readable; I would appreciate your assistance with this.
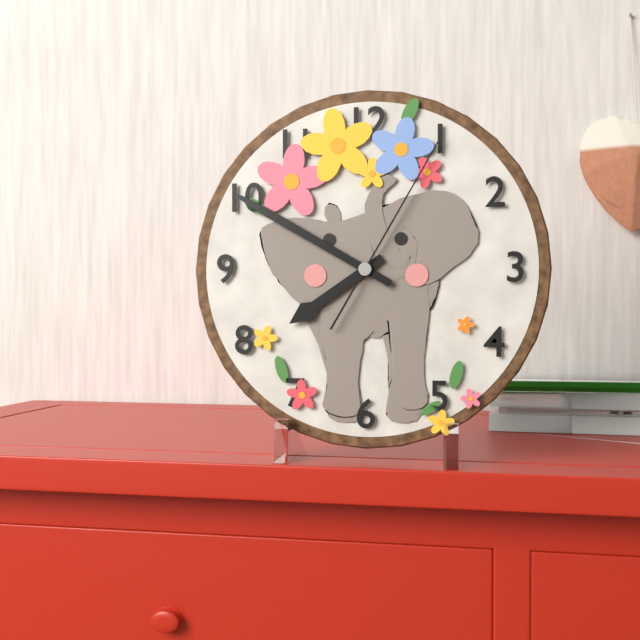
h=7 m=50 s=5
